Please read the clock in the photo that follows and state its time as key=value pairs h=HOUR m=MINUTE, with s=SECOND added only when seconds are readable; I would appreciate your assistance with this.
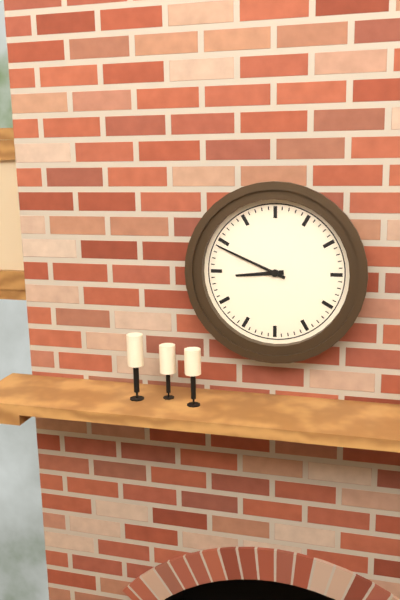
h=8 m=49
